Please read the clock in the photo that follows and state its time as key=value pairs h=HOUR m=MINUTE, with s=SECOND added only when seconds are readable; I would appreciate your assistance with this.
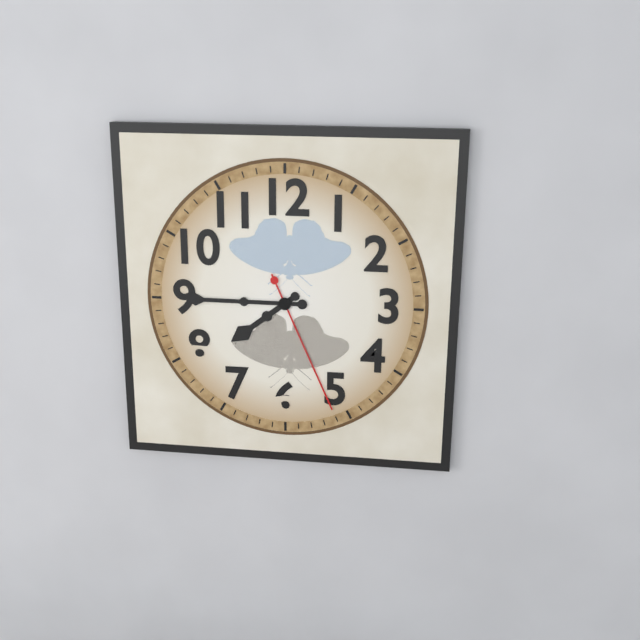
h=7 m=45 s=26
